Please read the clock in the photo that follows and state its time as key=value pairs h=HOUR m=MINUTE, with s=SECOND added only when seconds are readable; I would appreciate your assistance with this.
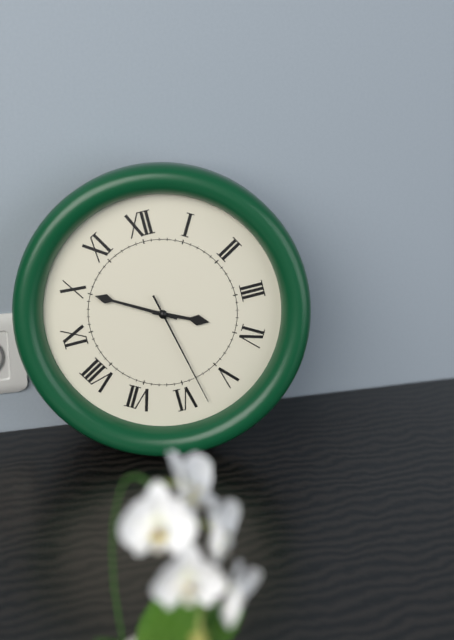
h=3 m=50 s=28
